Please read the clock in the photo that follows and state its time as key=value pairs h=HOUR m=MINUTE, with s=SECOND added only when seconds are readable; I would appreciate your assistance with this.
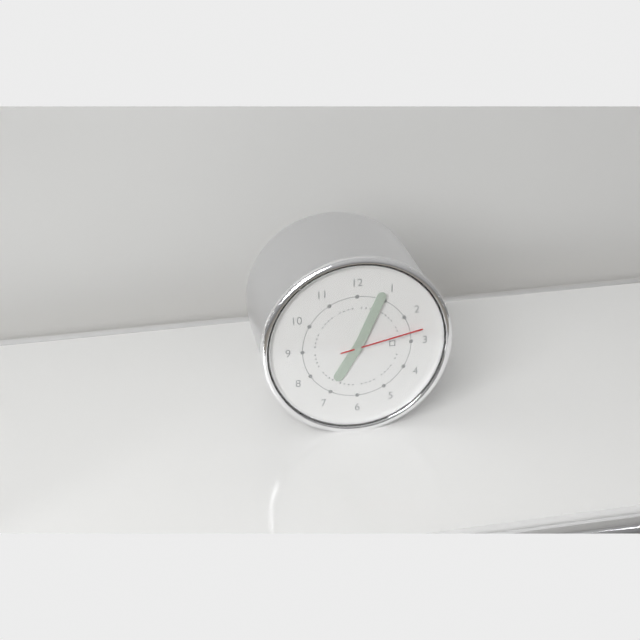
h=7 m=4 s=13
